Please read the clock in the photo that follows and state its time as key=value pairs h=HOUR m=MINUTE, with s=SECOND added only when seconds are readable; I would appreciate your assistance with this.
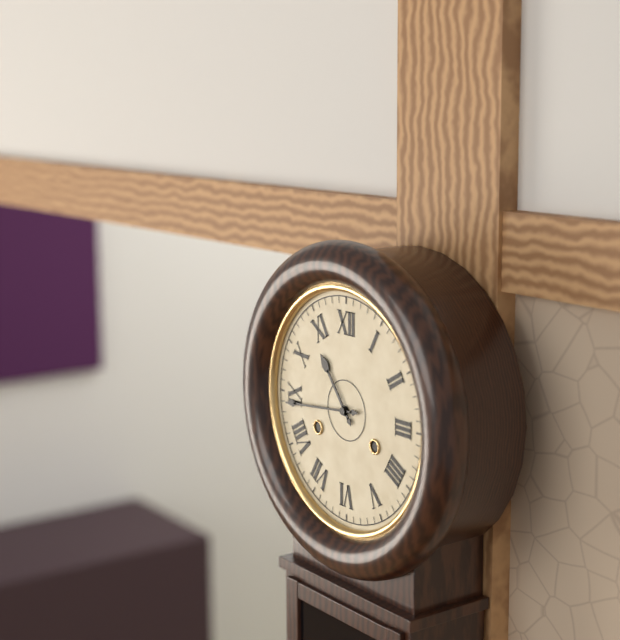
h=10 m=44
